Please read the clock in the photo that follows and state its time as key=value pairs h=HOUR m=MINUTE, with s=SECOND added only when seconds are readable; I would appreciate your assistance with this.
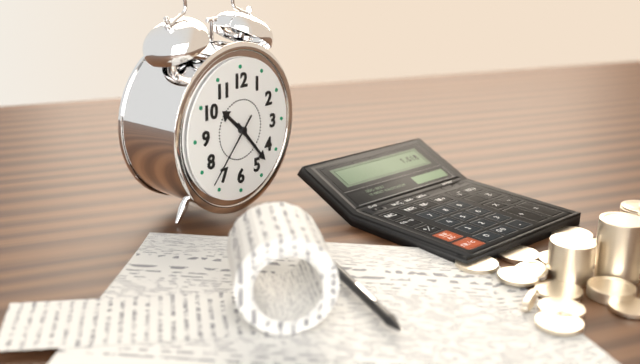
h=10 m=23 s=37
